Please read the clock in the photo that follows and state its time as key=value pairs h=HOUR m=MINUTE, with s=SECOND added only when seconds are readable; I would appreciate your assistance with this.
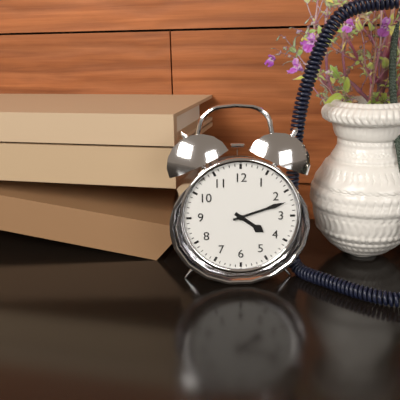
h=4 m=12
